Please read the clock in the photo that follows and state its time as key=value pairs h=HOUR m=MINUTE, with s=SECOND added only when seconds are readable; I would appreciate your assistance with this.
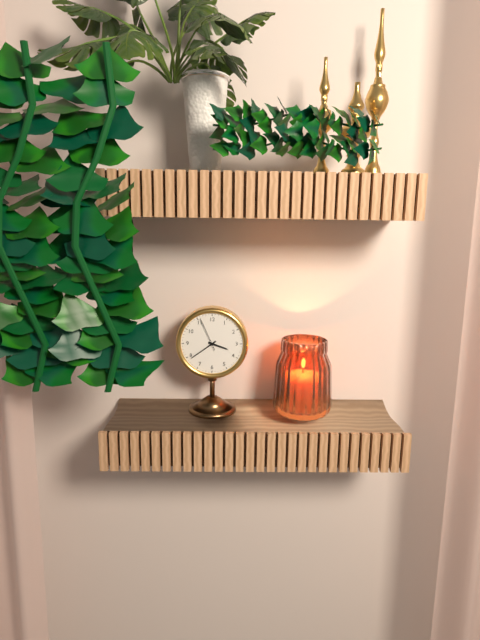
h=3 m=39
